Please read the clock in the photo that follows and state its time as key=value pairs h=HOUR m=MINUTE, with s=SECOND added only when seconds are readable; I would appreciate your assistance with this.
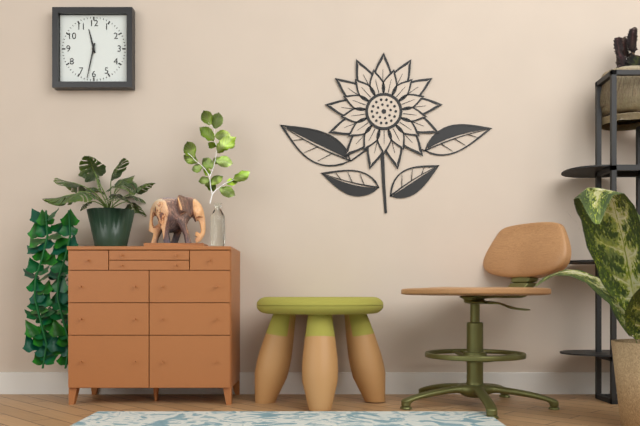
h=11 m=32
